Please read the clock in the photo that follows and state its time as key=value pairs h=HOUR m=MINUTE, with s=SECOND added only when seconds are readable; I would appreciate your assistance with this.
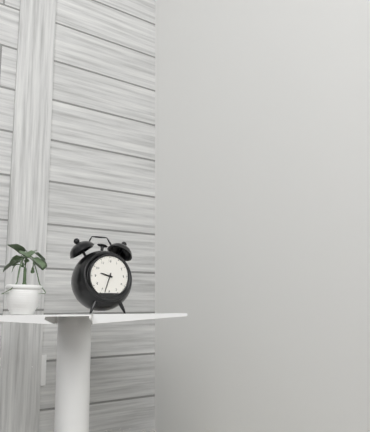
h=9 m=33
